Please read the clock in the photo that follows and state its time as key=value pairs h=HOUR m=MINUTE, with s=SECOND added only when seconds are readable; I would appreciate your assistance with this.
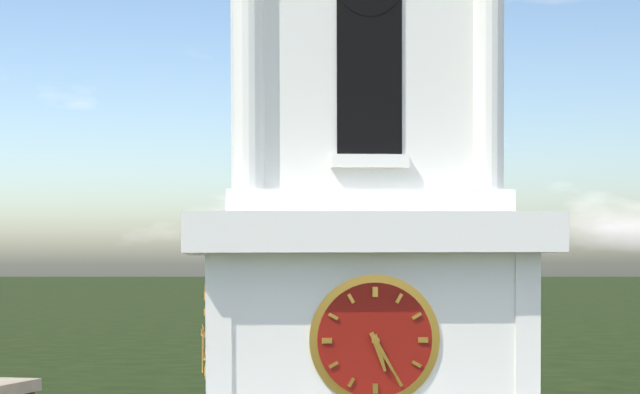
h=5 m=25
